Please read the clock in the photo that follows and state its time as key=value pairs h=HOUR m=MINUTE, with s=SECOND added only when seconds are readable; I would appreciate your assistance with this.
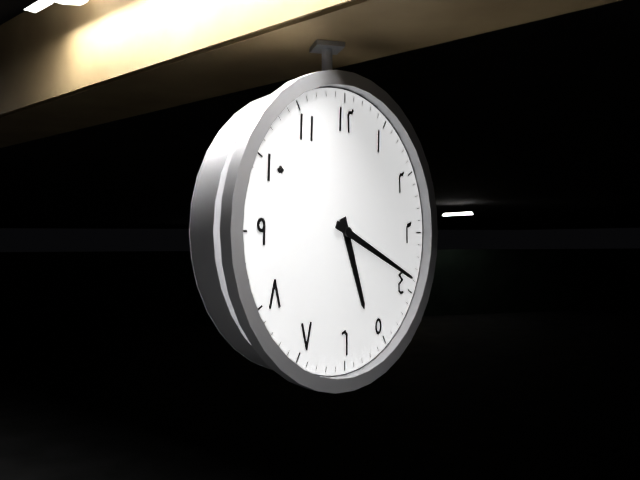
h=5 m=19
